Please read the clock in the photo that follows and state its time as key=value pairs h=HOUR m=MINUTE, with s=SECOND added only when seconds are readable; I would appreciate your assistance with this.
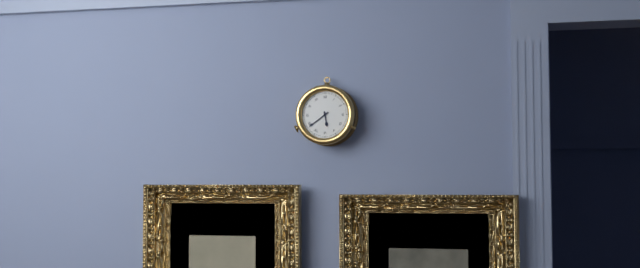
h=5 m=39
